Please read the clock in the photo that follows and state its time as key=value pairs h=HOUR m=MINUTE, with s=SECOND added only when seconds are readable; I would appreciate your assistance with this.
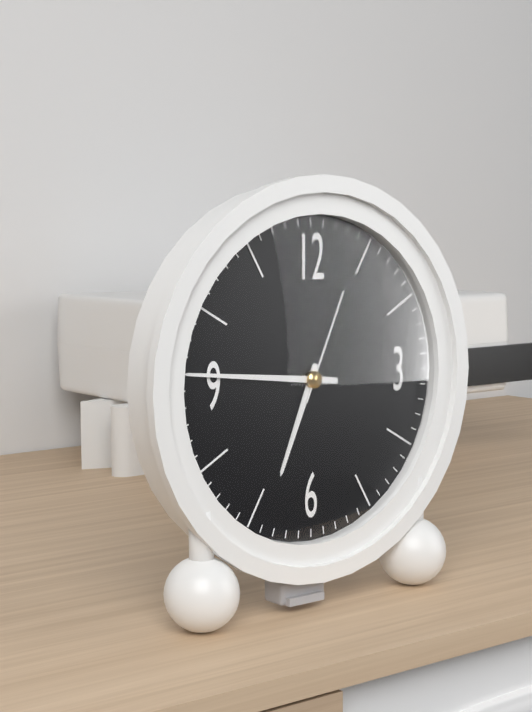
h=6 m=46 s=4
